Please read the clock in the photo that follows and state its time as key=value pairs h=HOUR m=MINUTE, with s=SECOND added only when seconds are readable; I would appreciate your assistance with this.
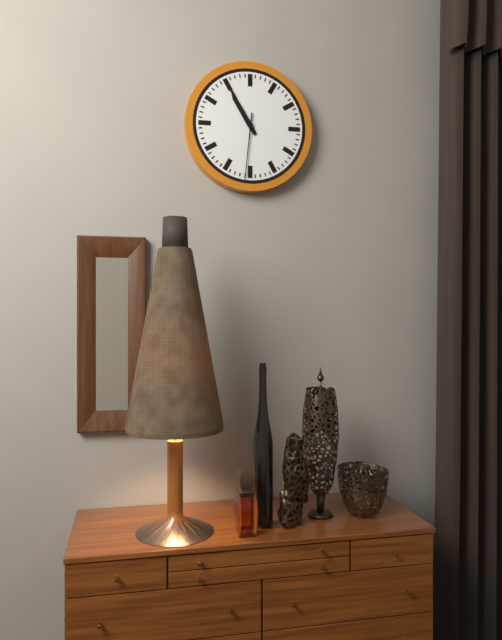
h=10 m=55 s=31
